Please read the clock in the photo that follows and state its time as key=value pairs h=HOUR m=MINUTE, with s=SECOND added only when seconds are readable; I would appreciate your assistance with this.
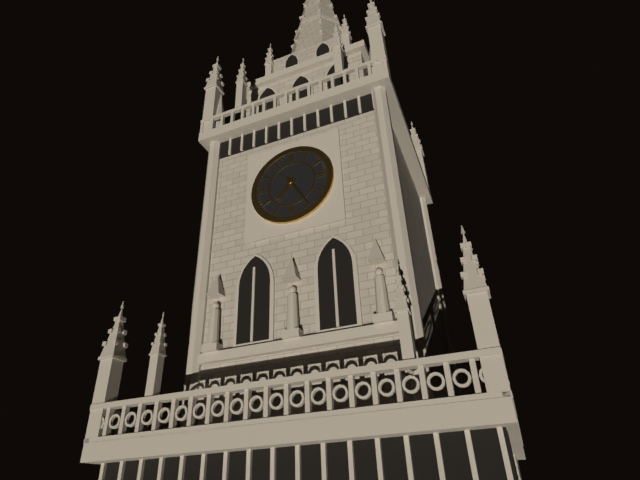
h=7 m=25
